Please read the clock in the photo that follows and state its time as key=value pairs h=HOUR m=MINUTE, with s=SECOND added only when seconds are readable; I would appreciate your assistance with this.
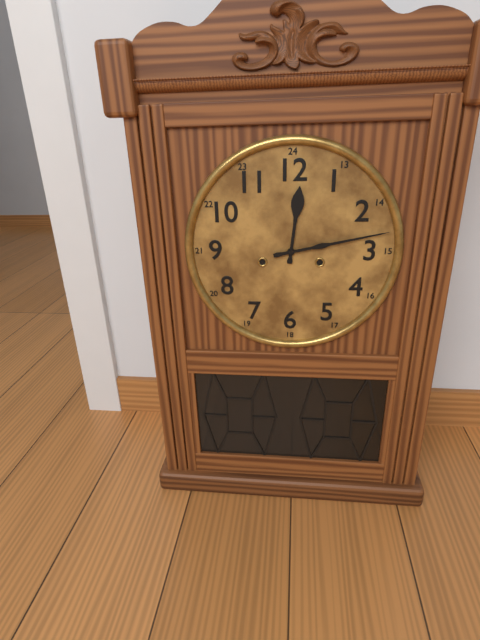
h=12 m=13
